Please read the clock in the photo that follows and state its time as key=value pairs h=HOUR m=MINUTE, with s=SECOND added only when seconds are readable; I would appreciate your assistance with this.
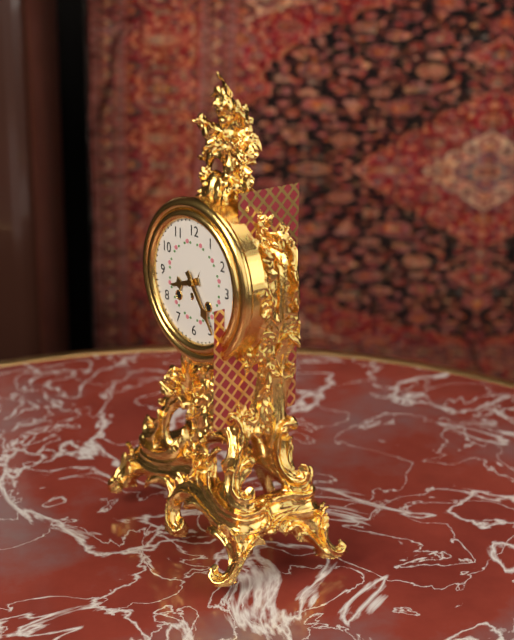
h=8 m=24
